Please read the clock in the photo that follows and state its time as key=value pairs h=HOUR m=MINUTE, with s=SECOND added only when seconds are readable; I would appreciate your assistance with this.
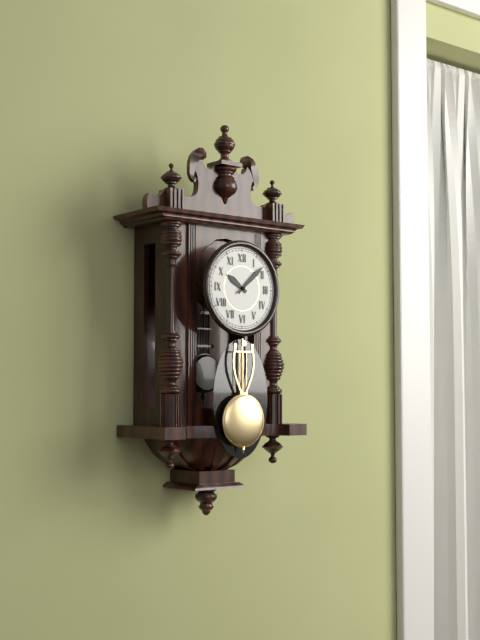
h=10 m=8
